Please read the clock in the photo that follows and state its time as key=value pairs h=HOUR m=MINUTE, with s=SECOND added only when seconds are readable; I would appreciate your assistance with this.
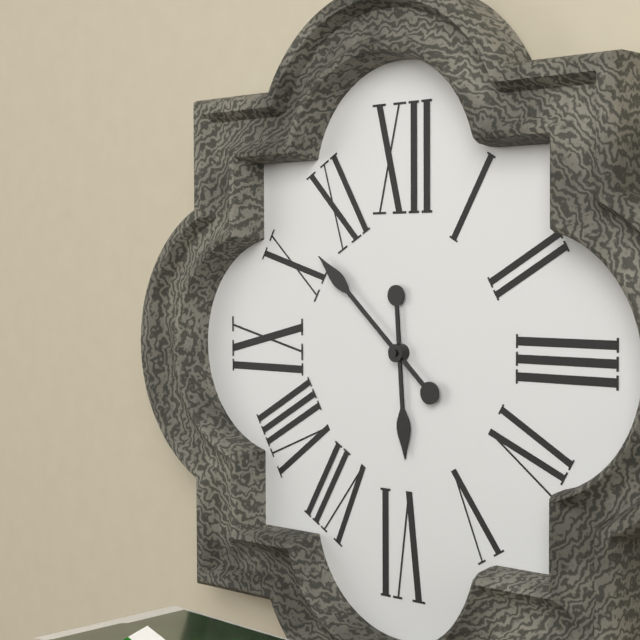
h=5 m=52
